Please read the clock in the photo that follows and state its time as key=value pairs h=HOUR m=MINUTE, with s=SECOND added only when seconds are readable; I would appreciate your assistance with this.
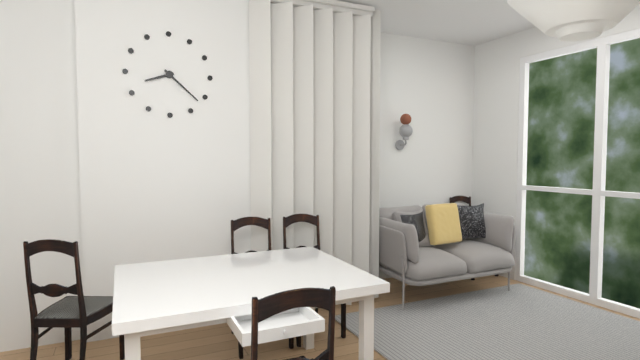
h=8 m=22
